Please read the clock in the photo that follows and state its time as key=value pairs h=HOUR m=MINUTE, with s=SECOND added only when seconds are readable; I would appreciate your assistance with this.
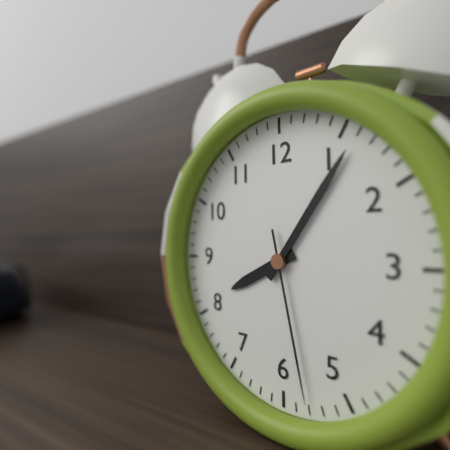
h=8 m=6 s=28
